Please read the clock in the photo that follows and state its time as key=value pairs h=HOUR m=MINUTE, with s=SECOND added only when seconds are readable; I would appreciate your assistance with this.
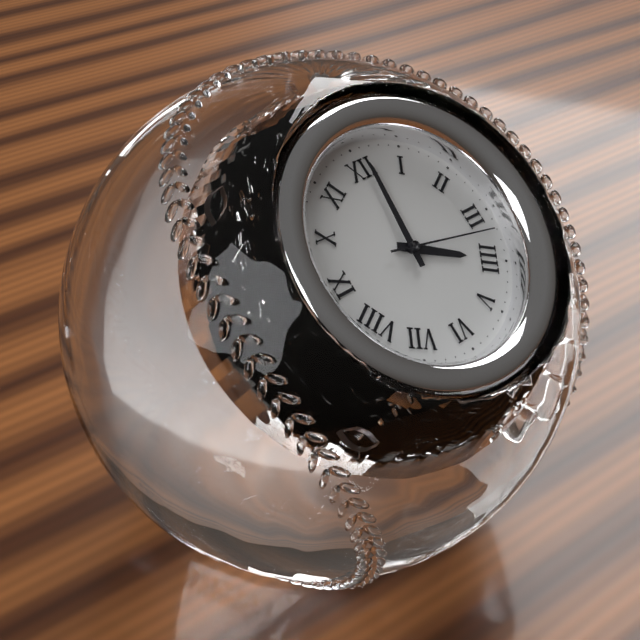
h=4 m=1 s=17
